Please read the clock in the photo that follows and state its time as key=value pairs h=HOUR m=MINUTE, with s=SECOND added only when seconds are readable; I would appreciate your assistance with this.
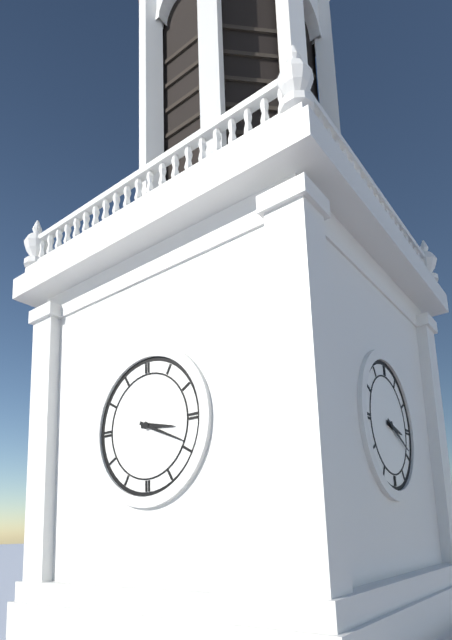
h=3 m=19
